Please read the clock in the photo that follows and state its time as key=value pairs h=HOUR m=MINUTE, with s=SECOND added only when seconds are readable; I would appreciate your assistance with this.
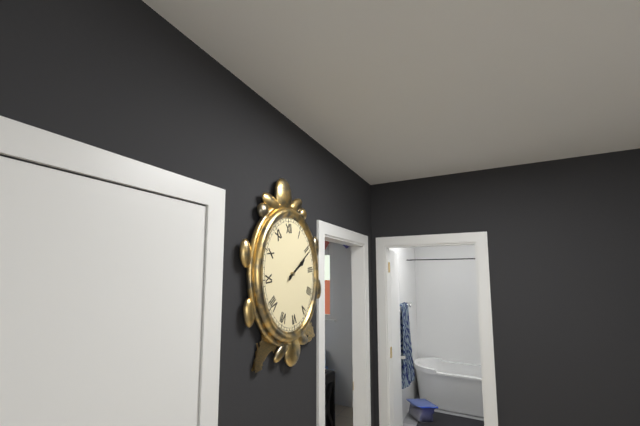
h=2 m=10
